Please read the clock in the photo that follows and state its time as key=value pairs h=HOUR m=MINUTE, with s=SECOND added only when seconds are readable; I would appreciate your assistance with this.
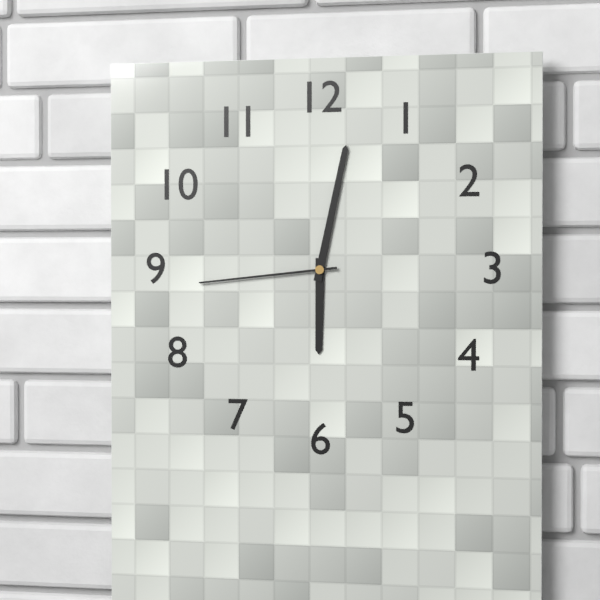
h=6 m=2 s=44
